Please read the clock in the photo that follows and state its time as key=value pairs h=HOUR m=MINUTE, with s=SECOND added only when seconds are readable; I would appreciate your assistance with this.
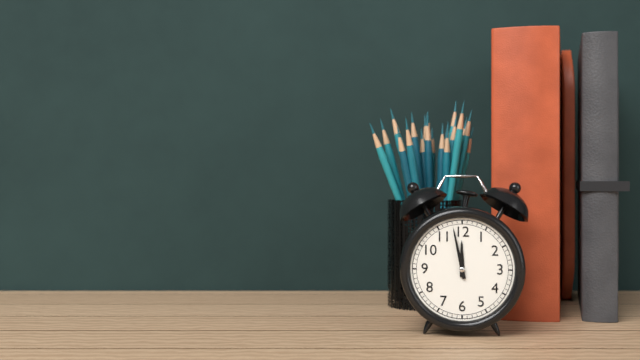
h=11 m=58
